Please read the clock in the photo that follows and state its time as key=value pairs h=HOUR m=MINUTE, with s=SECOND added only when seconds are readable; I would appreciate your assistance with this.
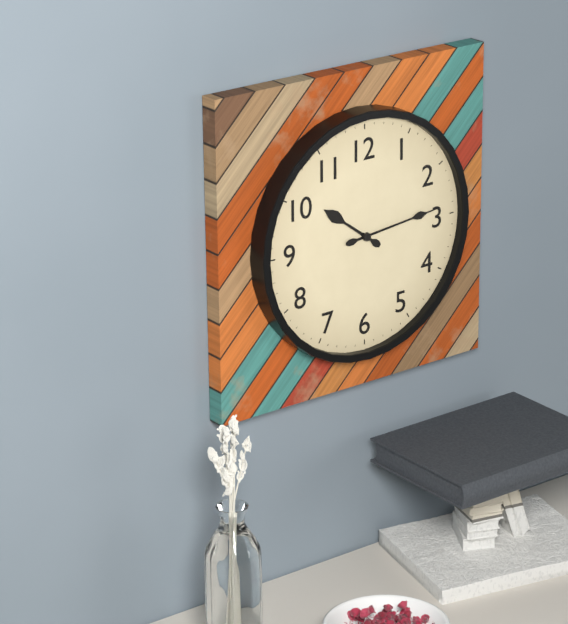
h=10 m=14
